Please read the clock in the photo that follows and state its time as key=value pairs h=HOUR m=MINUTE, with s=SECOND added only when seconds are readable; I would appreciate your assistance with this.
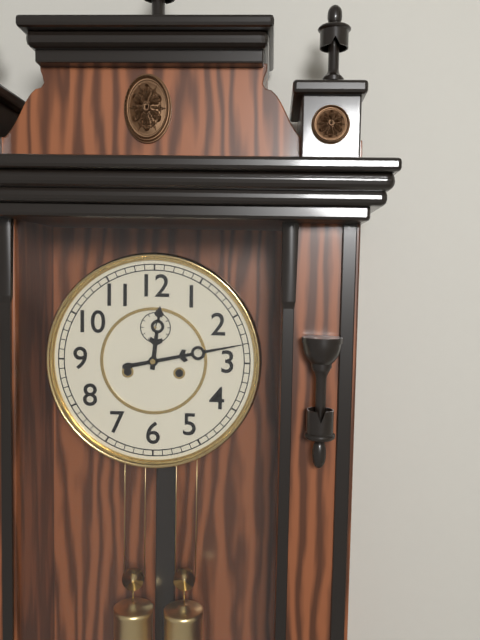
h=12 m=13
